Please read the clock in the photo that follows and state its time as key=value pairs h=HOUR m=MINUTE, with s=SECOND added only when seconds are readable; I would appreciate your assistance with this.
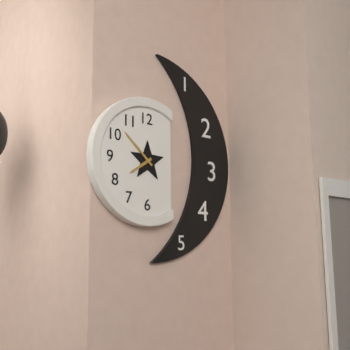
h=7 m=52
